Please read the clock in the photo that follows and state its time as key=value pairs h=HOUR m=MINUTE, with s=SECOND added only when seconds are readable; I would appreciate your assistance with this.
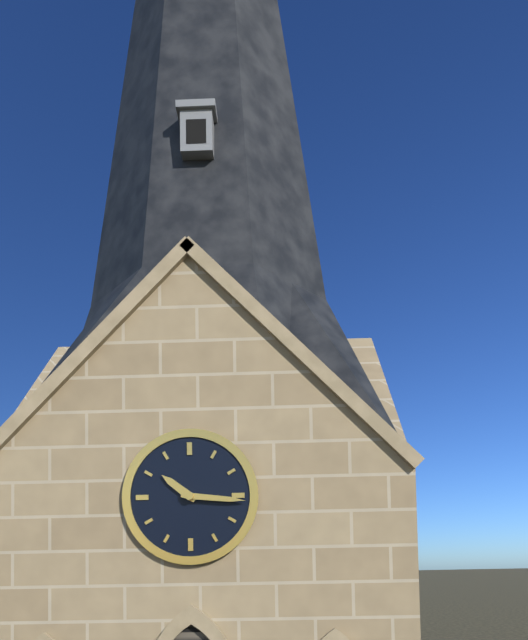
h=10 m=16
